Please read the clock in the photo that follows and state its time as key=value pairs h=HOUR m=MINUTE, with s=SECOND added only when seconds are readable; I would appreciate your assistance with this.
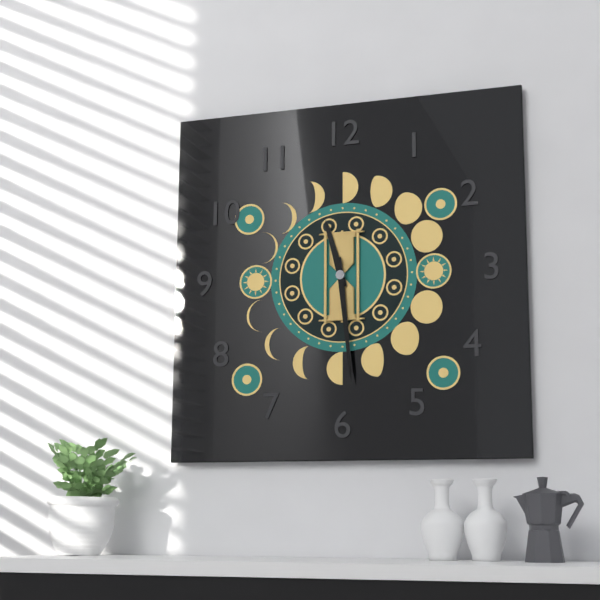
h=11 m=29
